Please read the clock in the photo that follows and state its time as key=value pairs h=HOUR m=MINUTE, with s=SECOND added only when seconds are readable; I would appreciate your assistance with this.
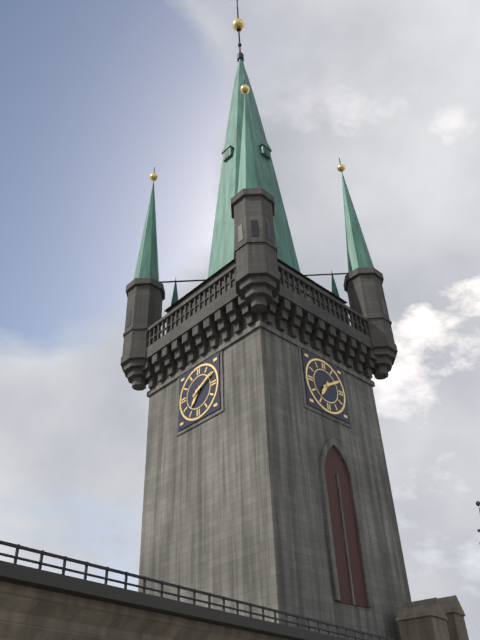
h=7 m=10
